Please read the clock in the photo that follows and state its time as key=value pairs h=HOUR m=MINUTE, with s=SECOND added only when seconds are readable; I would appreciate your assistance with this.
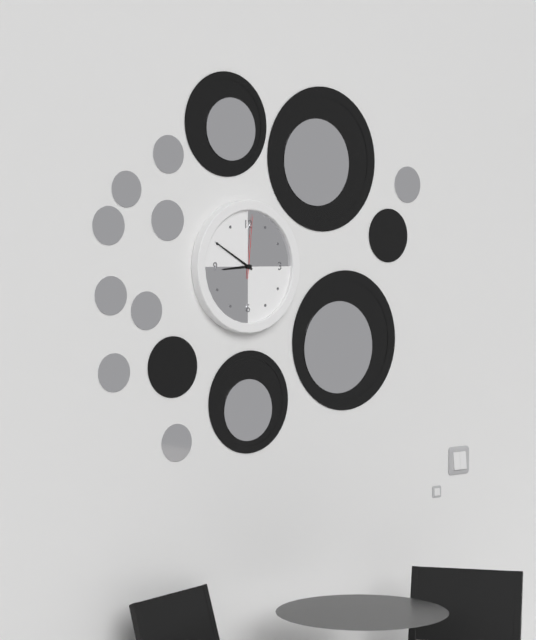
h=8 m=50 s=1
